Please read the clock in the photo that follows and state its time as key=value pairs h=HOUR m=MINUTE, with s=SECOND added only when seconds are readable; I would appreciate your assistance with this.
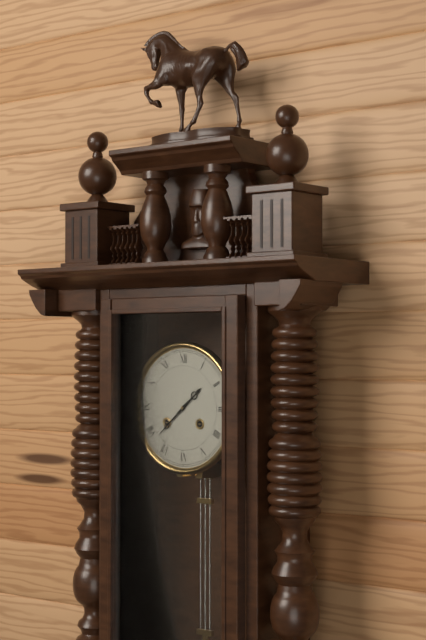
h=1 m=38
